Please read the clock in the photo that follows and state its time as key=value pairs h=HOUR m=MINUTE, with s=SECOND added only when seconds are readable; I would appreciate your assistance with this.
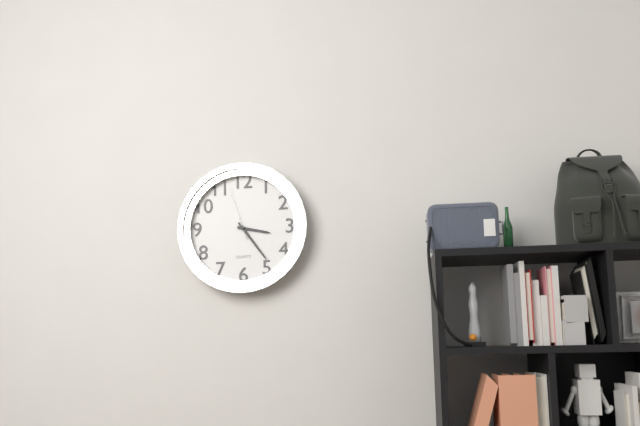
h=3 m=24 s=57
